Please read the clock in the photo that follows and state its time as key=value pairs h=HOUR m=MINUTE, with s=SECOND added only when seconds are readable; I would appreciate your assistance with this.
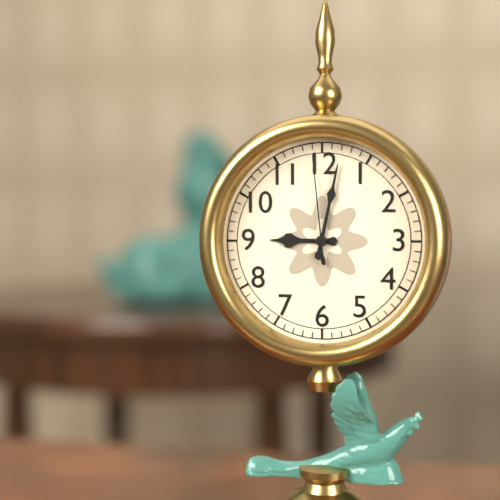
h=9 m=2 s=59
